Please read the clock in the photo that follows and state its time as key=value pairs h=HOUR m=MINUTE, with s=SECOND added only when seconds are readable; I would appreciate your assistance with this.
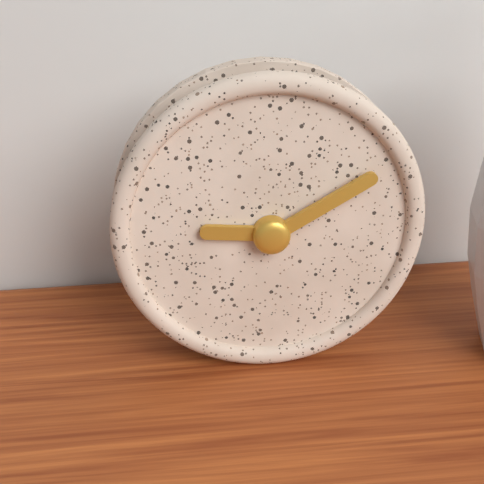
h=9 m=10
